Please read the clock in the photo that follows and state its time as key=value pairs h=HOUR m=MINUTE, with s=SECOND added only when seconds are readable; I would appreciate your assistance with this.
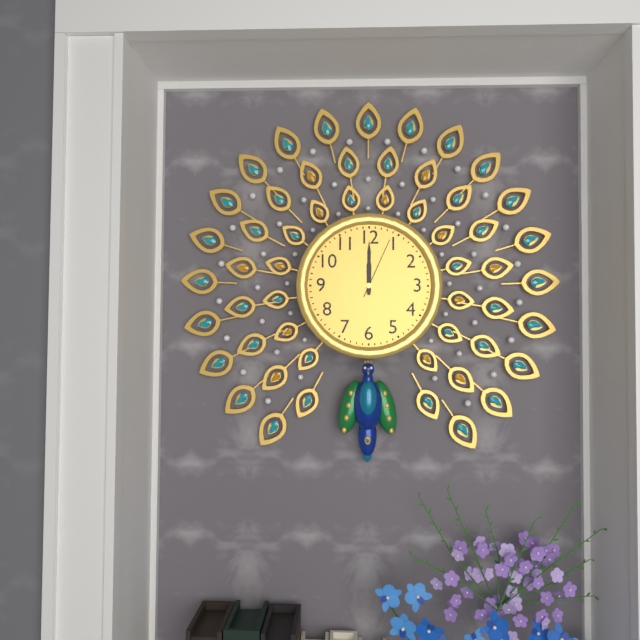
h=12 m=0 s=4
